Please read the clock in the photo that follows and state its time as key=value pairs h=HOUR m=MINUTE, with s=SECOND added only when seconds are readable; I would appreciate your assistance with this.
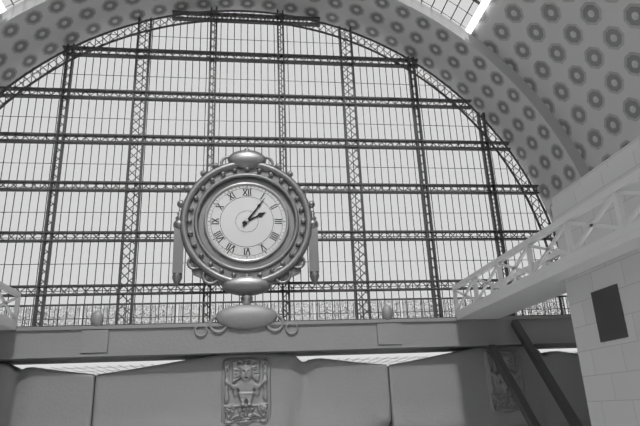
h=2 m=6
